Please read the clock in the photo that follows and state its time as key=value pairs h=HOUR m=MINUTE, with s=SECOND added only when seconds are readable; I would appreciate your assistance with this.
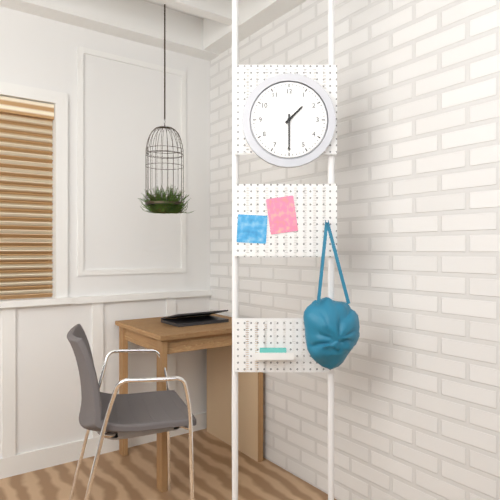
h=1 m=30
